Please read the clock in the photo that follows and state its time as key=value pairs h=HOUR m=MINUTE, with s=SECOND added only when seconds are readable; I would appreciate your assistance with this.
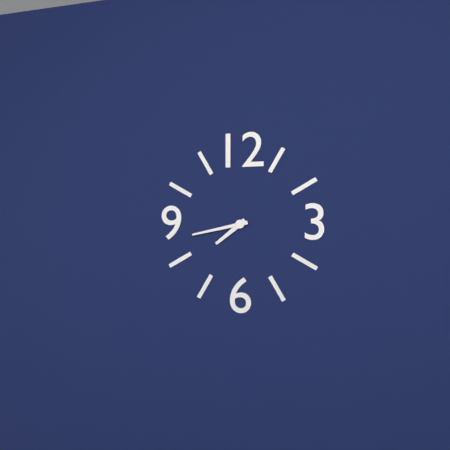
h=7 m=43
